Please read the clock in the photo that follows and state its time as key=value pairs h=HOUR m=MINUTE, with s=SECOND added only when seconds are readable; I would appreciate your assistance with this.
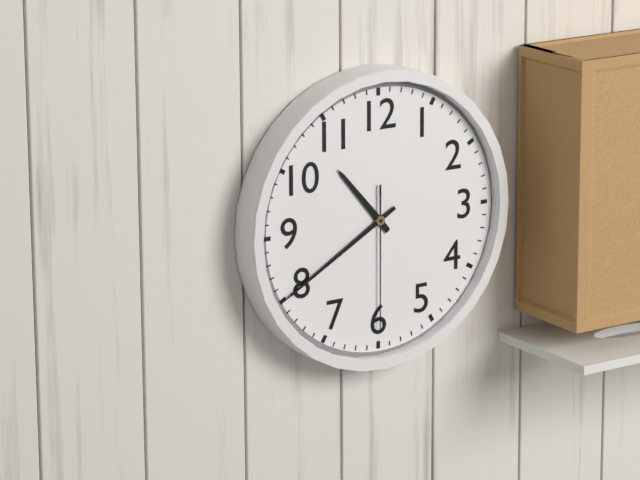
h=10 m=40 s=30
